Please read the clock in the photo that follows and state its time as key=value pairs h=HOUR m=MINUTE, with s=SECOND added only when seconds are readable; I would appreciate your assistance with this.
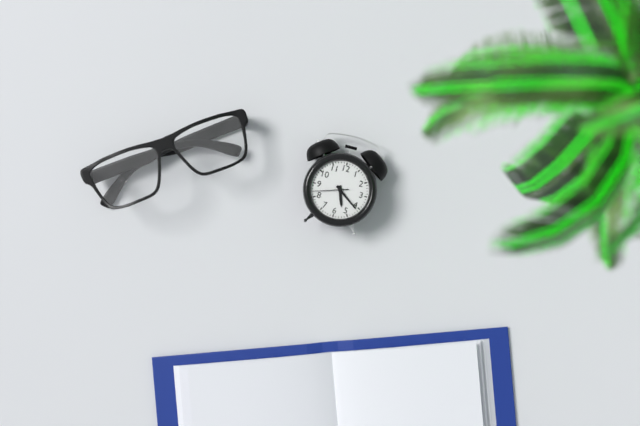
h=5 m=21
